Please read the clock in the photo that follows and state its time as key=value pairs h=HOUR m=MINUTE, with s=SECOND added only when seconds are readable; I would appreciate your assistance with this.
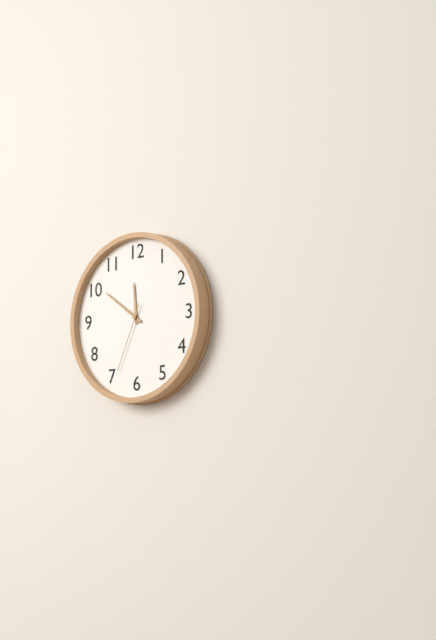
h=11 m=51 s=34
